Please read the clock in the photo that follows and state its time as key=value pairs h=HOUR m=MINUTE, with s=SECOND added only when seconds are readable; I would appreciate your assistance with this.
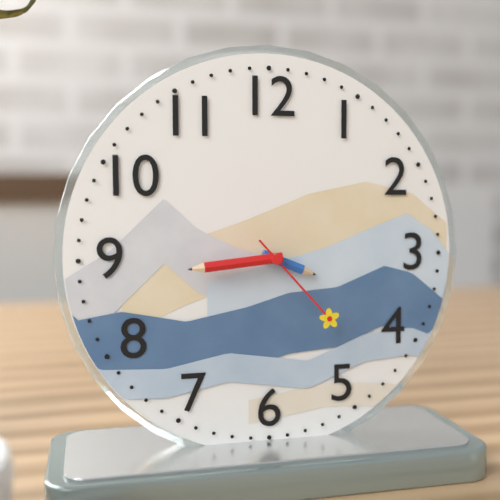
h=3 m=44 s=23
